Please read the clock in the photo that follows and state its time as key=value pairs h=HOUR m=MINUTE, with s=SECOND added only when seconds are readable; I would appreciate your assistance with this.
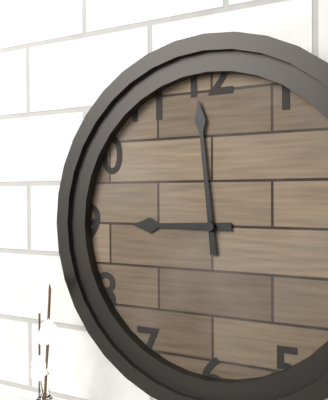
h=8 m=59
